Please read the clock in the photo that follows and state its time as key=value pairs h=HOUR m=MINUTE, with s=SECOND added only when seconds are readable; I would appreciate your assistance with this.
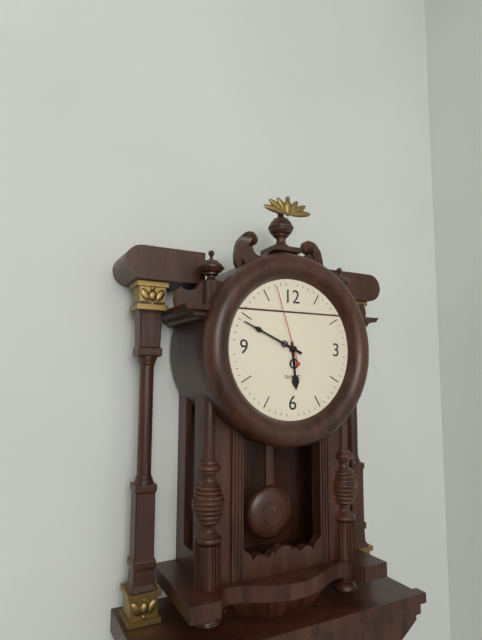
h=5 m=49 s=57
